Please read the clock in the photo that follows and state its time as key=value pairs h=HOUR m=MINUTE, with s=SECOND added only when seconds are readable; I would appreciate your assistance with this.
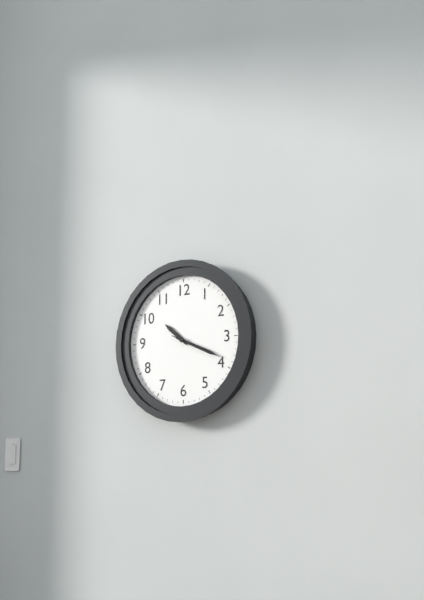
h=10 m=19 s=19
